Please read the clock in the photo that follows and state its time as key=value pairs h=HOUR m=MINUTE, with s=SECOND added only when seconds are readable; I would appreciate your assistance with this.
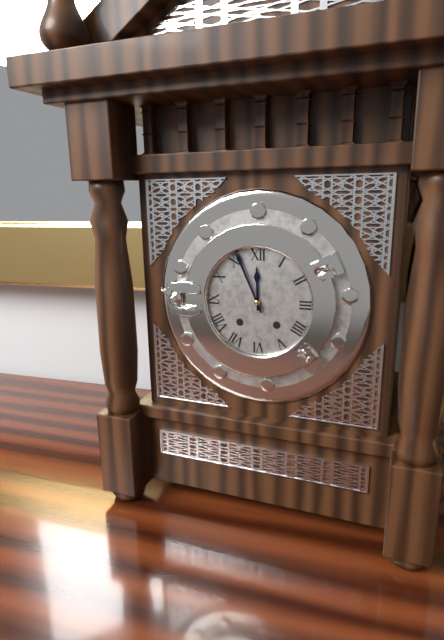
h=11 m=56
